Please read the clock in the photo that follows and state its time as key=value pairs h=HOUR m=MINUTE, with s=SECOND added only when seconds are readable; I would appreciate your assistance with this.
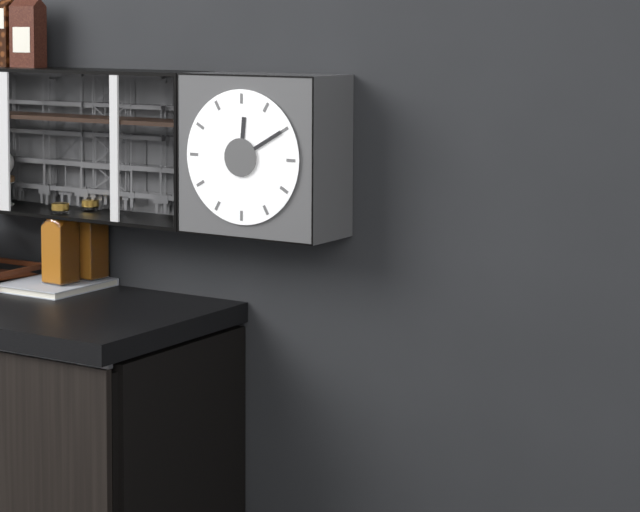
h=12 m=10
